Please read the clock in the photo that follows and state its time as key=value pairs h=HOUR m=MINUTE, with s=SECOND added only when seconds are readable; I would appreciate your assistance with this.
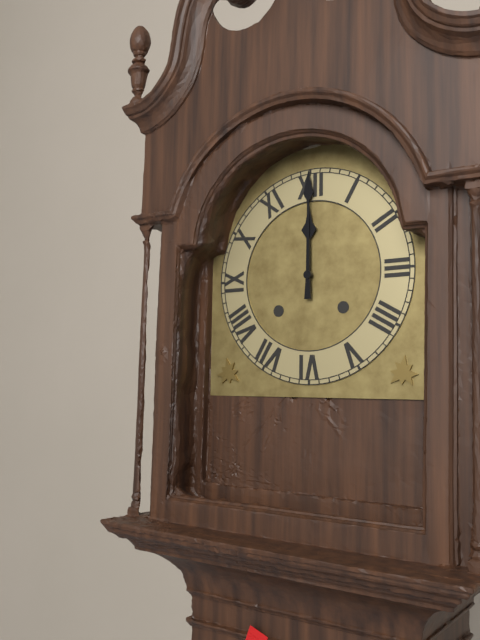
h=12 m=0
